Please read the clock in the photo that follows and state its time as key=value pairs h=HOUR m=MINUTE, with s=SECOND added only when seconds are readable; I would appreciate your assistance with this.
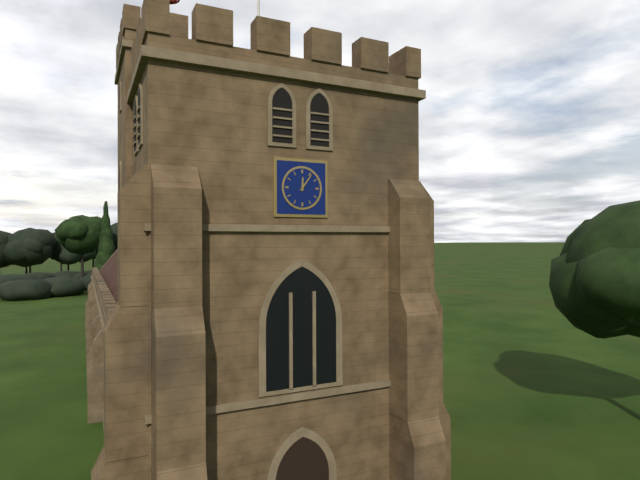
h=12 m=6
